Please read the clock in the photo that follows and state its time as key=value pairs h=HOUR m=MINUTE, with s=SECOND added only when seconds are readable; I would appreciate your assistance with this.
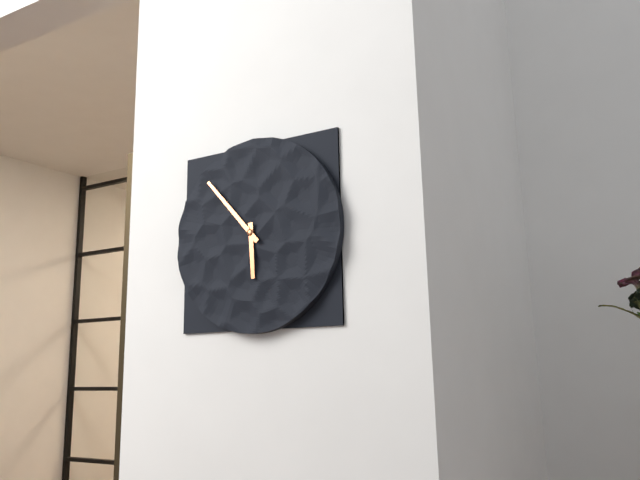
h=5 m=53
